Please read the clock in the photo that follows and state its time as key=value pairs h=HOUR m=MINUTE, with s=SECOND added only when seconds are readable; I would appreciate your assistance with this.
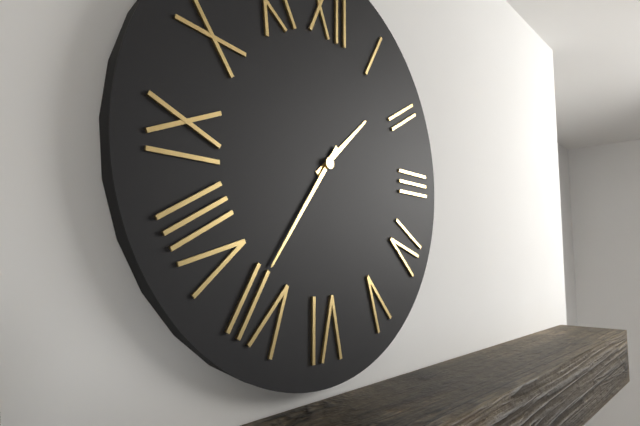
h=1 m=36
